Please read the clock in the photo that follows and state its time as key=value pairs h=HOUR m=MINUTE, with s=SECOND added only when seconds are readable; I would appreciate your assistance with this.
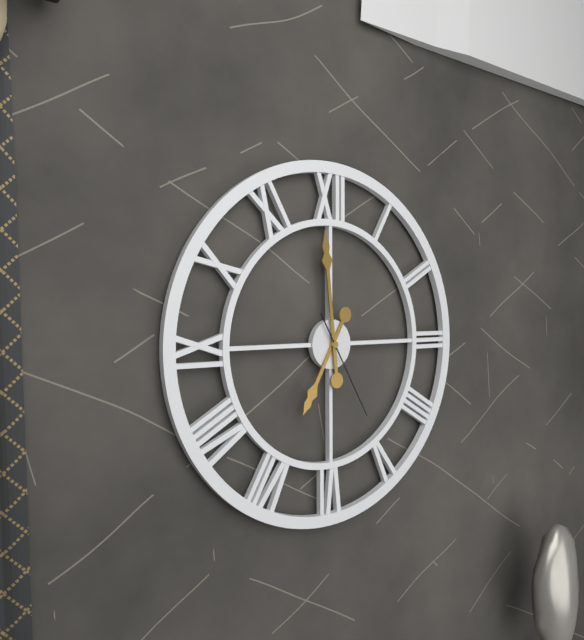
h=6 m=59 s=25
